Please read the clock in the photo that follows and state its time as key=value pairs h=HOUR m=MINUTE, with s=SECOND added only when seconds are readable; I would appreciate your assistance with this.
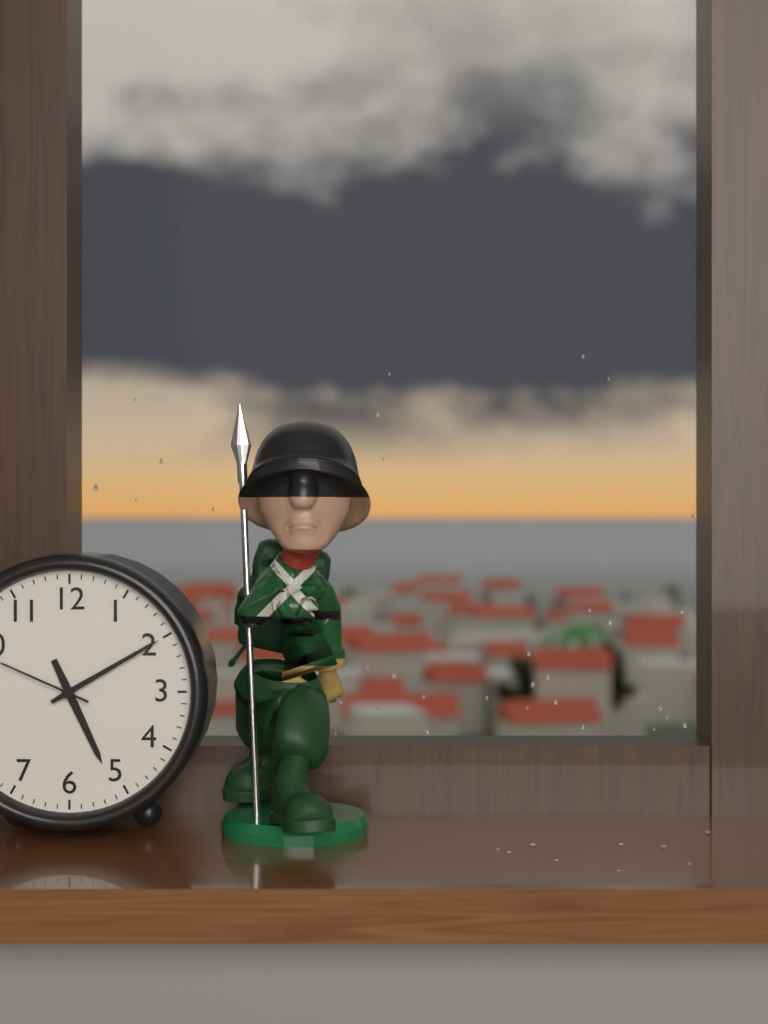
h=5 m=10
